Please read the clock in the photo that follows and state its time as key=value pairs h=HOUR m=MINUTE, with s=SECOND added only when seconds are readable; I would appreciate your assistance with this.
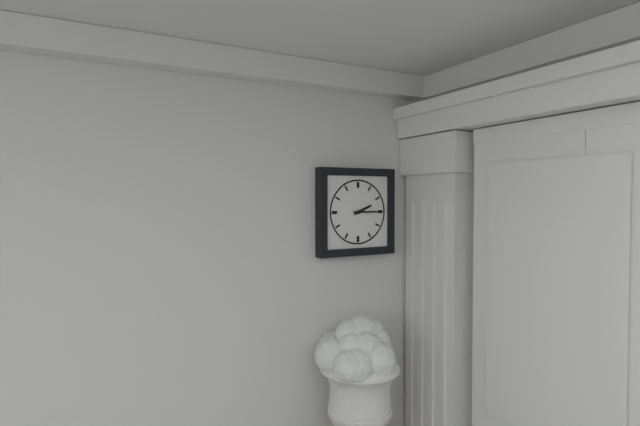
h=2 m=15
